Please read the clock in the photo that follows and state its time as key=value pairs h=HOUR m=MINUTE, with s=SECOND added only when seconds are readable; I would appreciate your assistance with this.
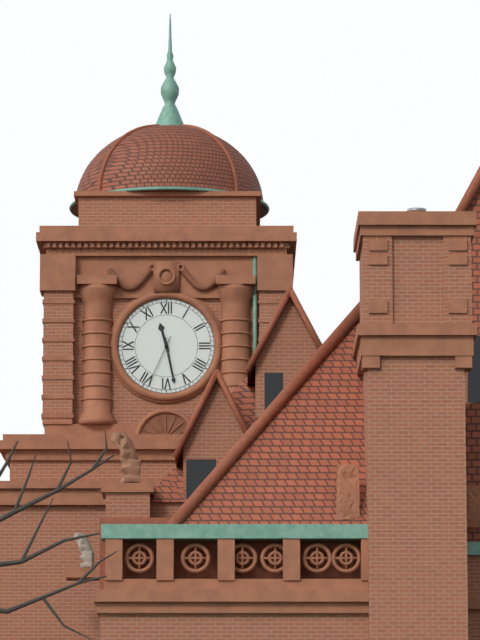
h=11 m=28 s=34
